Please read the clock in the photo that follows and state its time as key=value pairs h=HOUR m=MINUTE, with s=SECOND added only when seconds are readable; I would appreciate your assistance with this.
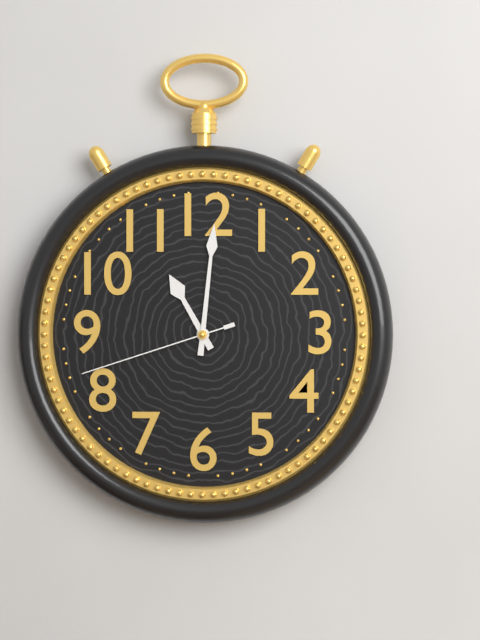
h=11 m=1 s=42
